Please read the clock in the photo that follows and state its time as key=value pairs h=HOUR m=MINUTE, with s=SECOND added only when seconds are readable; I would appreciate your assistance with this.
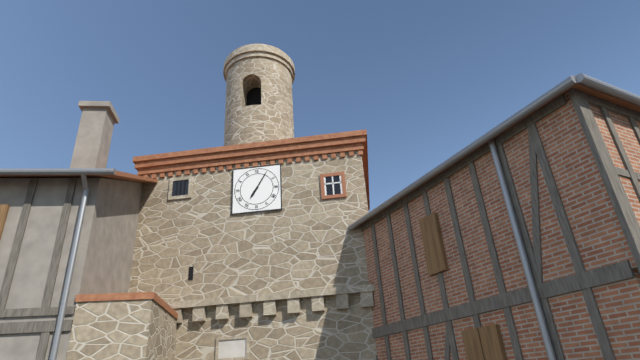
h=7 m=5
